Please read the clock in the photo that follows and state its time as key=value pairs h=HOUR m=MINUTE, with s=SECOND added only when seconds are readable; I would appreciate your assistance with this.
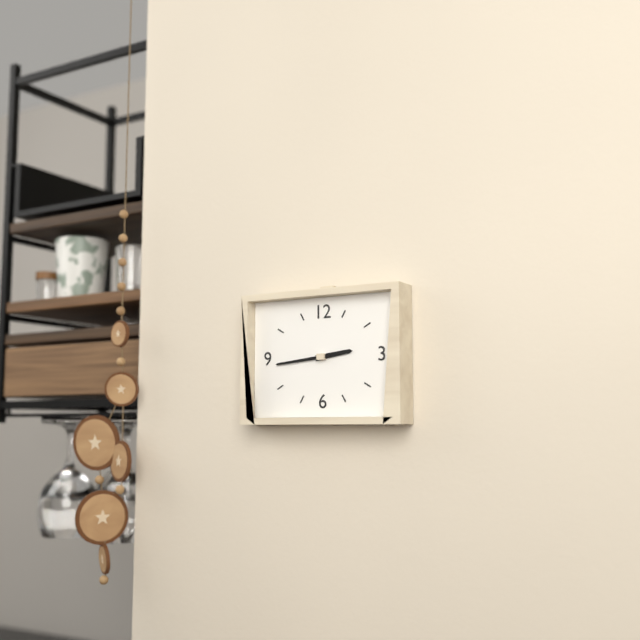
h=2 m=44
